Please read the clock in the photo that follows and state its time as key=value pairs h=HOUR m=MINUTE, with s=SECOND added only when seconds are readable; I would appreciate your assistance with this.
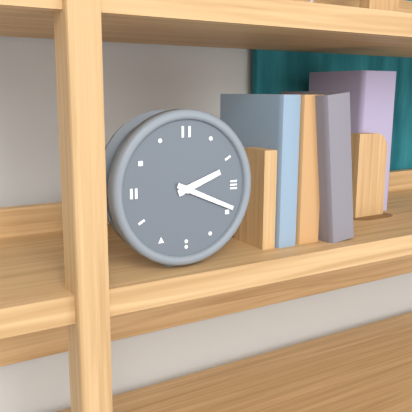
h=2 m=19
